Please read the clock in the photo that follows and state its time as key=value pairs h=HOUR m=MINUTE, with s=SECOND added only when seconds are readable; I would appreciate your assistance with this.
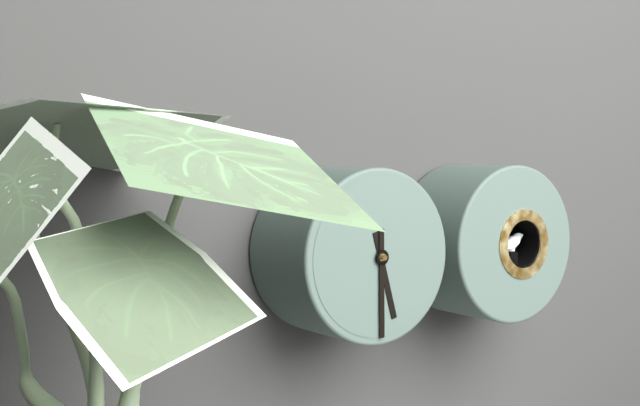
h=5 m=30
